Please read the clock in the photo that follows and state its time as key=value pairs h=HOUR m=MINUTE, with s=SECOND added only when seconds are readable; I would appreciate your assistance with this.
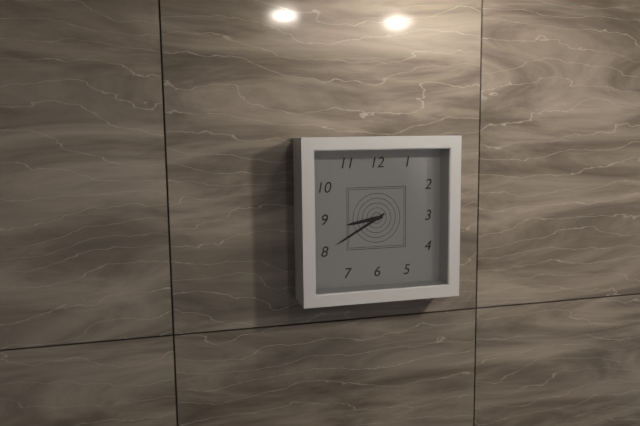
h=8 m=40
